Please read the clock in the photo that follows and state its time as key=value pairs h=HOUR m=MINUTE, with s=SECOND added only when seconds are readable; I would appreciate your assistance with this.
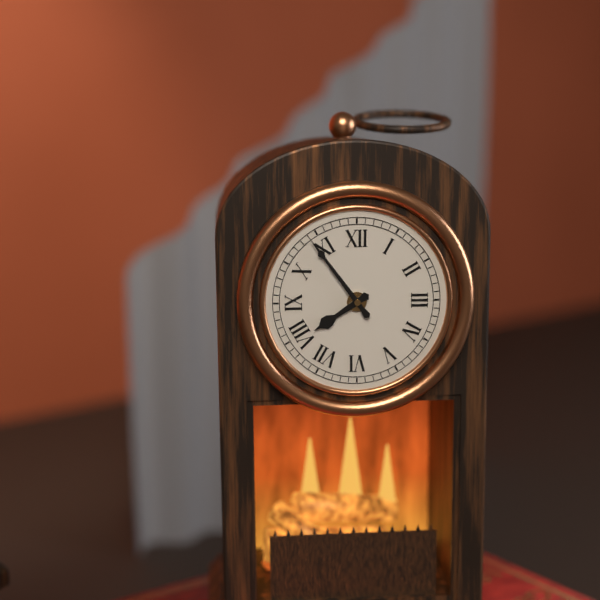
h=7 m=54
